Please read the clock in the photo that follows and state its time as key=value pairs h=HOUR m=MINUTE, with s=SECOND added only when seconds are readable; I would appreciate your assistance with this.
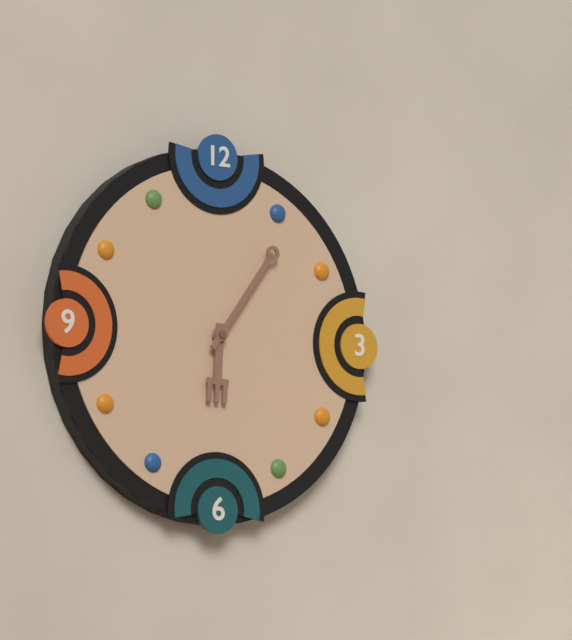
h=6 m=6
